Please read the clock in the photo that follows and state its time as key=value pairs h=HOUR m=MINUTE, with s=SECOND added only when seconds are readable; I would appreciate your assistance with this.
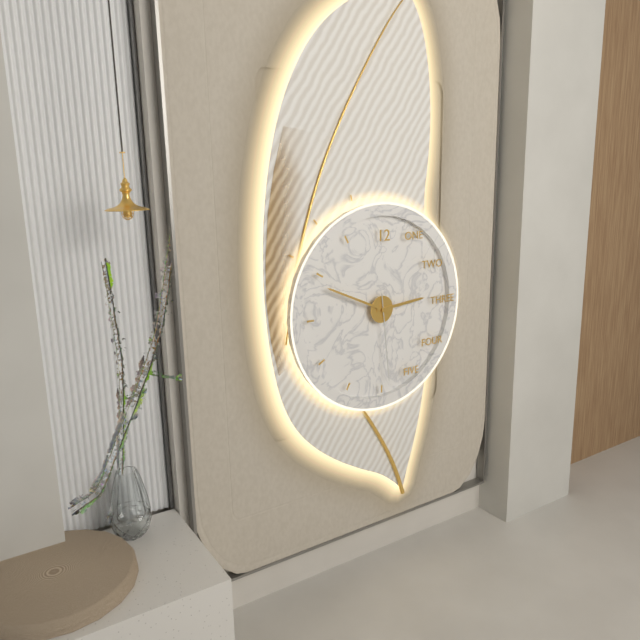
h=2 m=49 s=29
